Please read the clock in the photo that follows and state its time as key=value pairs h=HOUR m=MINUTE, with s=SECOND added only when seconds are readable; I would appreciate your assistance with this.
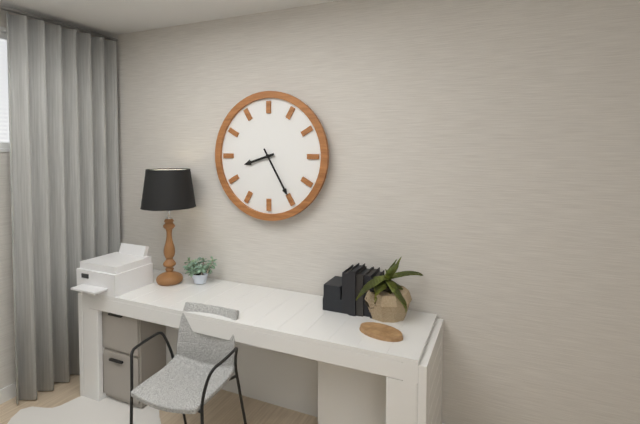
h=8 m=25
